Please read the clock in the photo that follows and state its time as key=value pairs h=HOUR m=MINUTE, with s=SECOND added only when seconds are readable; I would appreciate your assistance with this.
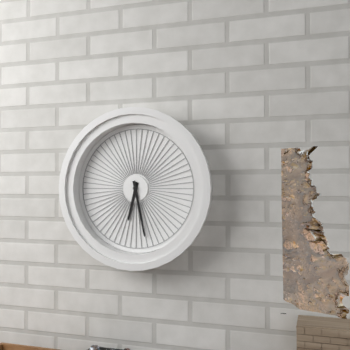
h=6 m=28
